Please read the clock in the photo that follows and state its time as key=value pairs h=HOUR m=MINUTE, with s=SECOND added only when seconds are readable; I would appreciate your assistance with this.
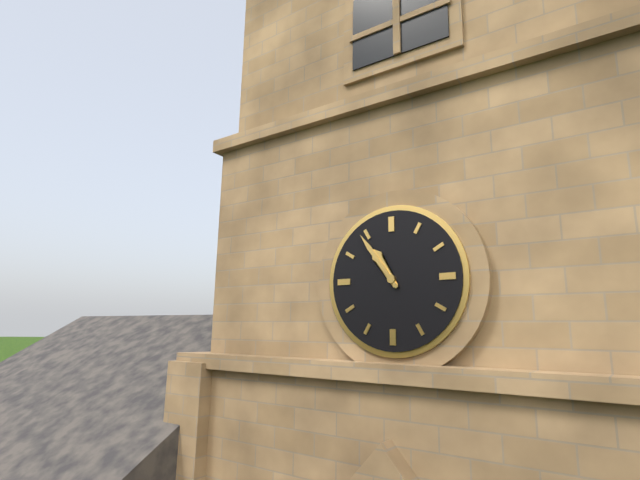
h=10 m=54
